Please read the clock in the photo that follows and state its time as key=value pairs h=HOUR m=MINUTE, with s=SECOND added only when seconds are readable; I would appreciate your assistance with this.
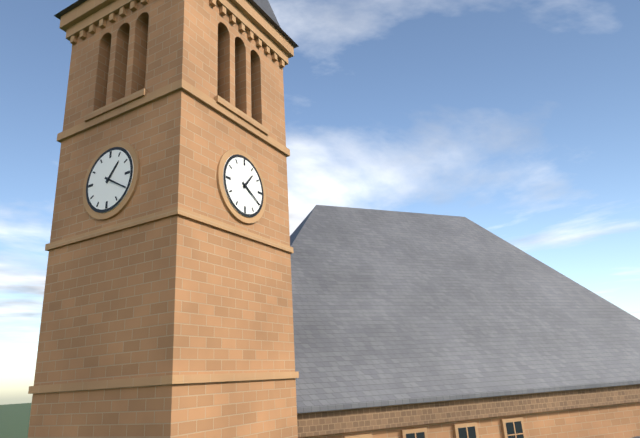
h=1 m=20
